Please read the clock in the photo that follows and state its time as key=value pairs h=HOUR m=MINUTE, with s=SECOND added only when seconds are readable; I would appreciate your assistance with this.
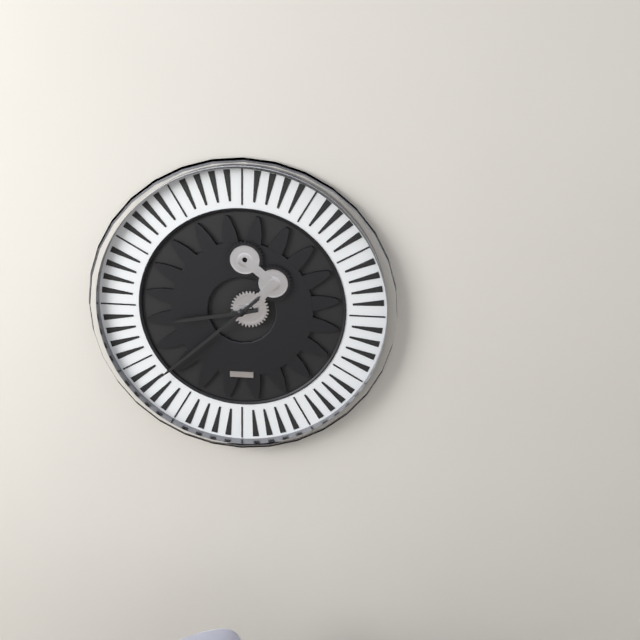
h=8 m=38
